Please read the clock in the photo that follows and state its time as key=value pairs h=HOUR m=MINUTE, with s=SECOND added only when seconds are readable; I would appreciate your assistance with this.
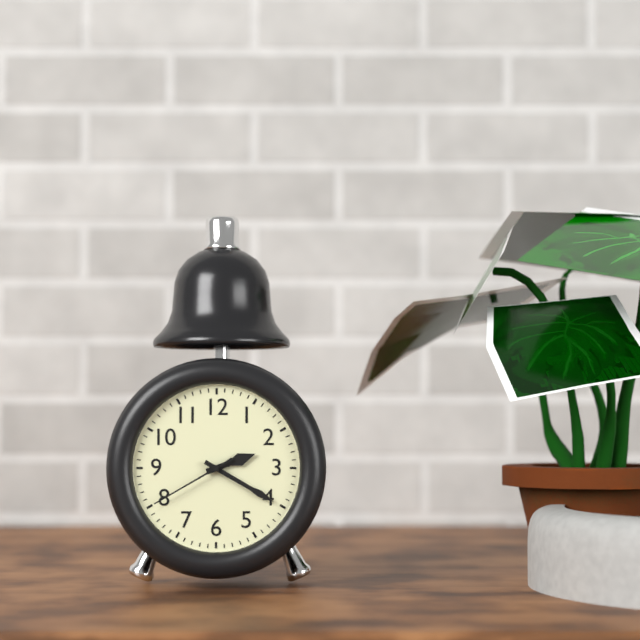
h=2 m=20 s=40
